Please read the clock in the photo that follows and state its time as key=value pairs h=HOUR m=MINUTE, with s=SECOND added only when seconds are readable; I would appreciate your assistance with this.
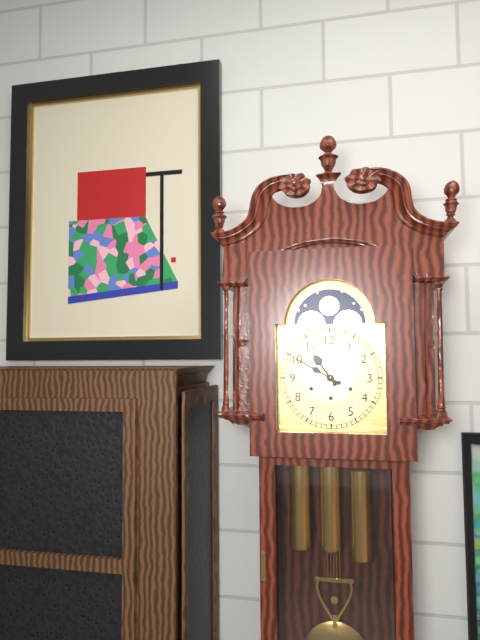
h=10 m=50
